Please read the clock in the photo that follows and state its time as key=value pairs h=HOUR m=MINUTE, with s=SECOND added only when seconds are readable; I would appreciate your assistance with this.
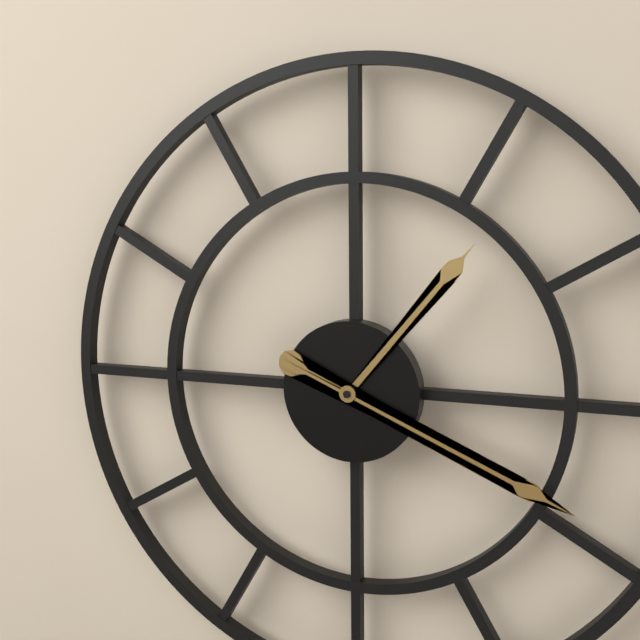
h=1 m=19
